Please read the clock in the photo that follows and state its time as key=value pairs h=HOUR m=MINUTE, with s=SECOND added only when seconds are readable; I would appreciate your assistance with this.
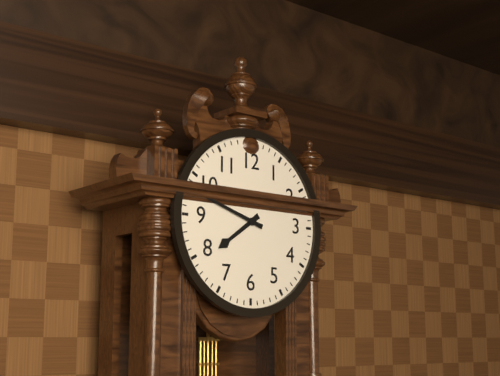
h=7 m=48
